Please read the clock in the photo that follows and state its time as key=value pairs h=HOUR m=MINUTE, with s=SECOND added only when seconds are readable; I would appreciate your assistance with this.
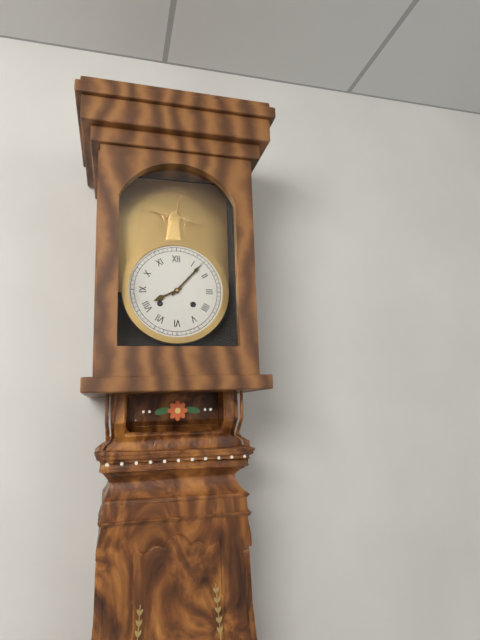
h=8 m=7
